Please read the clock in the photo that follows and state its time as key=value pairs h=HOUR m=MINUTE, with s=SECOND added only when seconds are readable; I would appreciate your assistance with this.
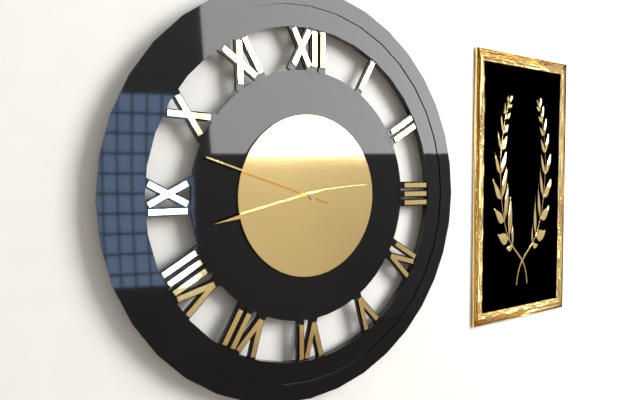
h=2 m=43 s=48
